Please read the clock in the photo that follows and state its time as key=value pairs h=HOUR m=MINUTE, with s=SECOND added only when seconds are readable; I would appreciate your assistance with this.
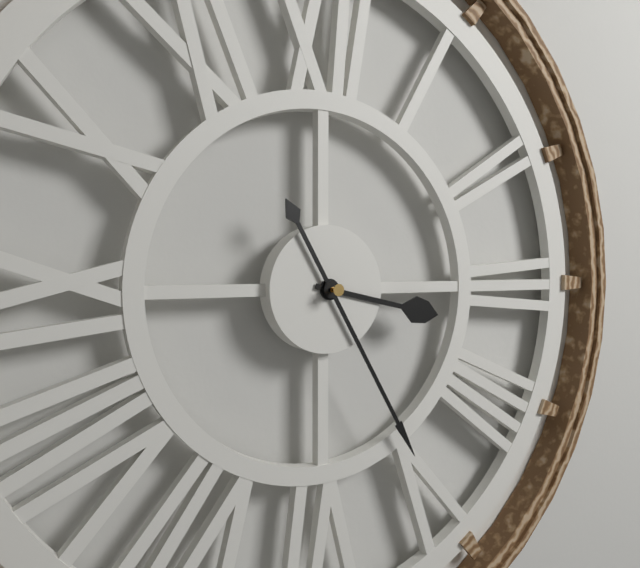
h=3 m=25
